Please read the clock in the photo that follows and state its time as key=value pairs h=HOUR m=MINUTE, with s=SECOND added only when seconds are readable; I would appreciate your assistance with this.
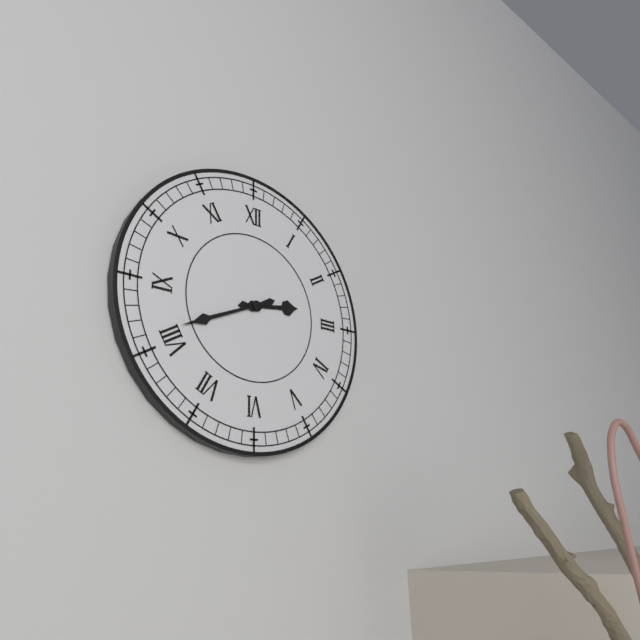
h=2 m=41
